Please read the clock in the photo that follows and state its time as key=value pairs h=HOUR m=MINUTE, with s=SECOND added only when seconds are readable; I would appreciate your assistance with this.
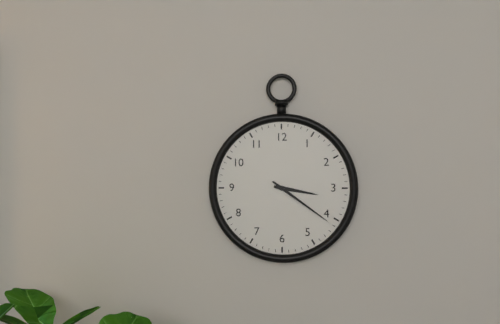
h=3 m=21
